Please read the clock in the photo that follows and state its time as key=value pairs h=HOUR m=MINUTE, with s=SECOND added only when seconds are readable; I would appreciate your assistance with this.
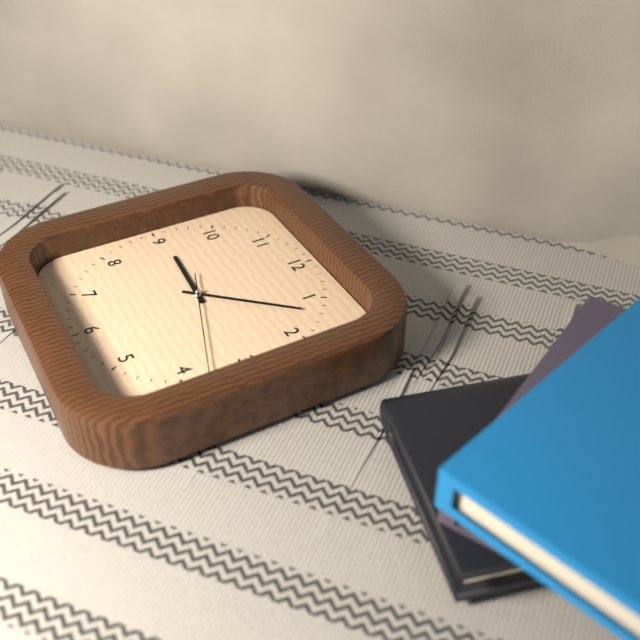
h=9 m=7 s=18
